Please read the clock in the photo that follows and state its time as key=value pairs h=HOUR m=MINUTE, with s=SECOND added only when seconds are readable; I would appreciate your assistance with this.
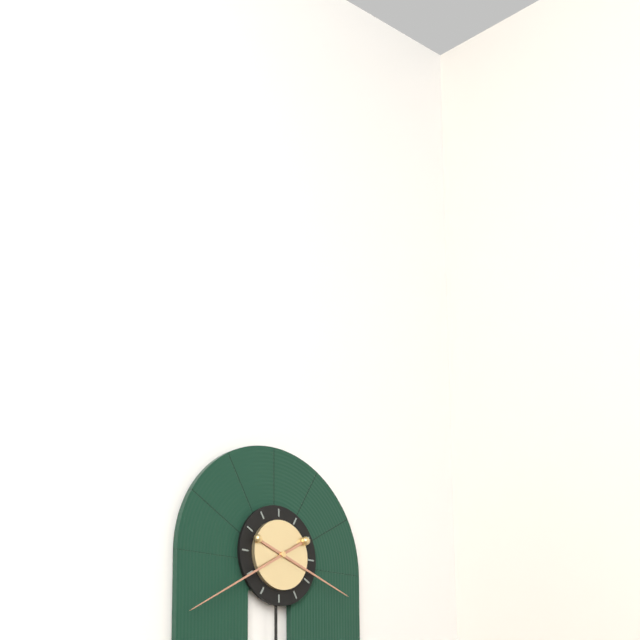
h=3 m=40
